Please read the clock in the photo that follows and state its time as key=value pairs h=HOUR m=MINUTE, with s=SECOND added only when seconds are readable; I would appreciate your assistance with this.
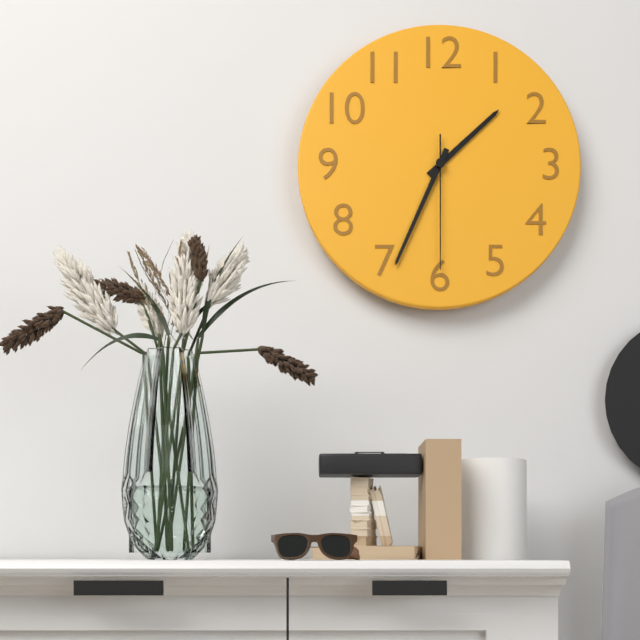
h=1 m=34 s=30
